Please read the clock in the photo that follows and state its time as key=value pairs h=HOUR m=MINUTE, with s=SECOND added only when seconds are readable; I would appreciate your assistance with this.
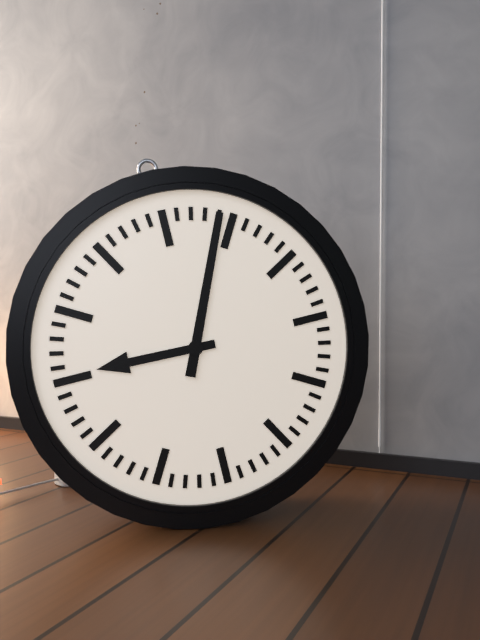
h=9 m=4
